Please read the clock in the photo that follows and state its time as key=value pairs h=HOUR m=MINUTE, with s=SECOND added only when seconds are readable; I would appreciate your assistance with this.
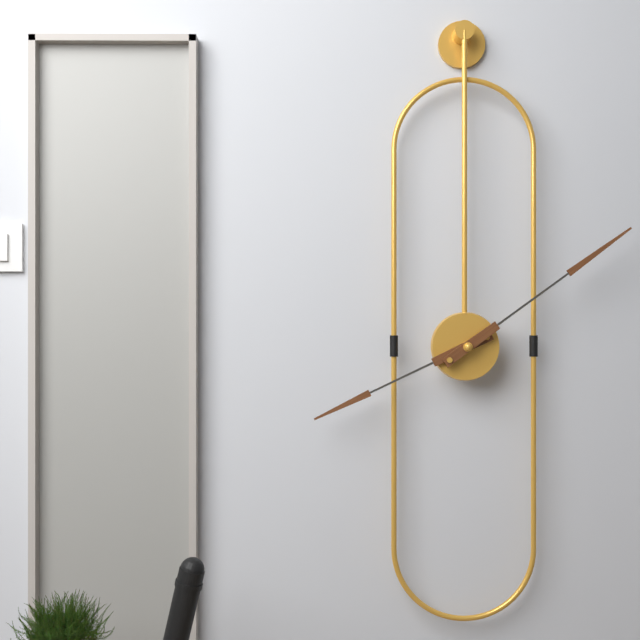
h=8 m=9
